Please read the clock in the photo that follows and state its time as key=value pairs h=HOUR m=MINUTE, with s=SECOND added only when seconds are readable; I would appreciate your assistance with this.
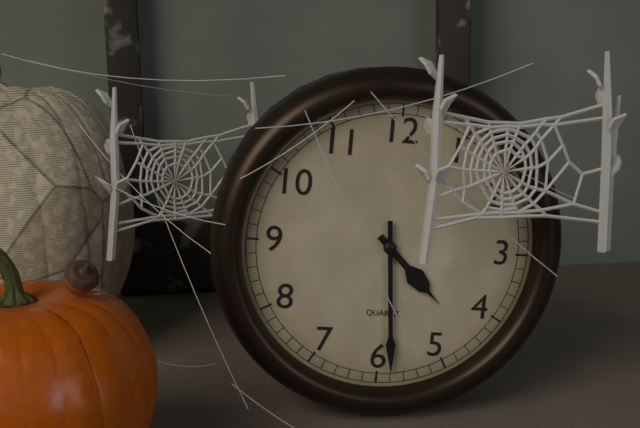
h=4 m=29
